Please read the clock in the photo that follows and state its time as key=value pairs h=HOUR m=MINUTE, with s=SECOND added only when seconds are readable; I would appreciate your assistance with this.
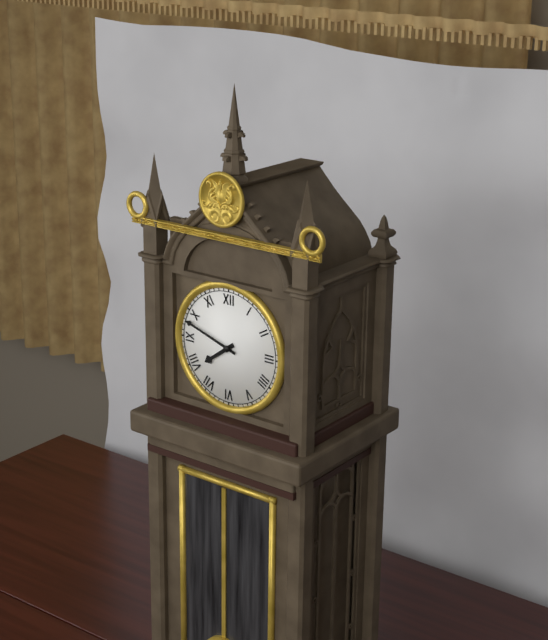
h=7 m=48
